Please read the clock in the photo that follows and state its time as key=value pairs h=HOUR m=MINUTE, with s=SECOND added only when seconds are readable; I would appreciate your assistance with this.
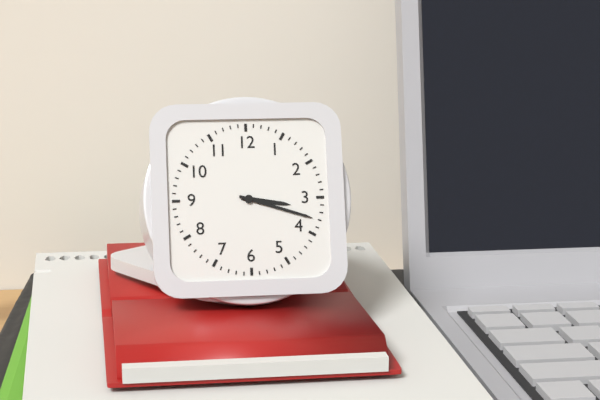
h=3 m=18
